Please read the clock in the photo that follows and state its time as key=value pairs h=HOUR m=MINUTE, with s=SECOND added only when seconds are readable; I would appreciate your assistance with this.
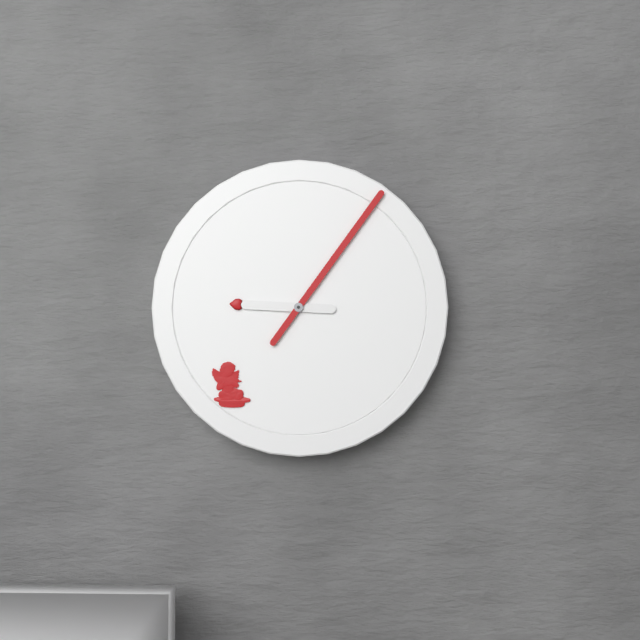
h=9 m=6
